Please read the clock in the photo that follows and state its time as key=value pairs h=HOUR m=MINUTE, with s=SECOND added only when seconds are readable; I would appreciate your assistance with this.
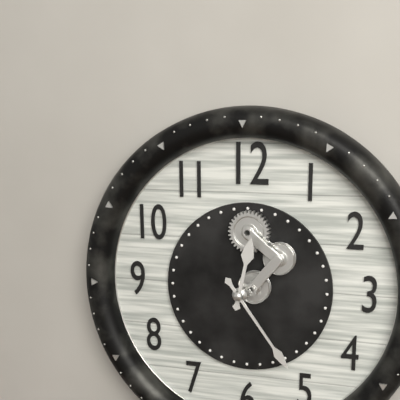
h=12 m=24
